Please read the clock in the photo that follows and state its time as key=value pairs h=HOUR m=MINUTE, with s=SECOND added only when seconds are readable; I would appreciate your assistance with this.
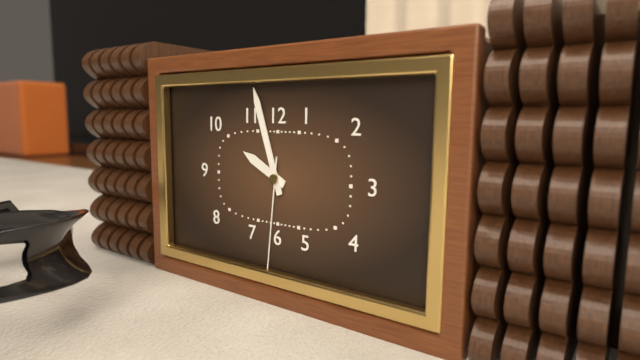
h=9 m=57 s=31
